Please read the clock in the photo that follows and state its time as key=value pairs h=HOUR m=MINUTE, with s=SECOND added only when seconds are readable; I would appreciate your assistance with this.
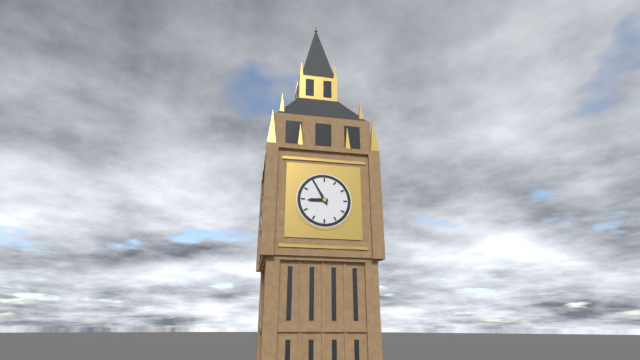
h=8 m=55
